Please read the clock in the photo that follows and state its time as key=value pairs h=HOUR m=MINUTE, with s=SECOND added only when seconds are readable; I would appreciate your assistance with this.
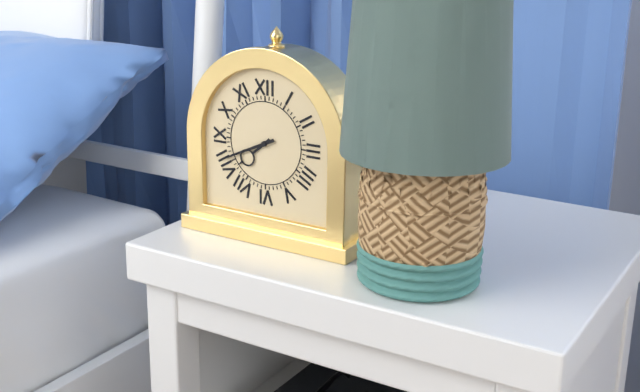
h=7 m=41
